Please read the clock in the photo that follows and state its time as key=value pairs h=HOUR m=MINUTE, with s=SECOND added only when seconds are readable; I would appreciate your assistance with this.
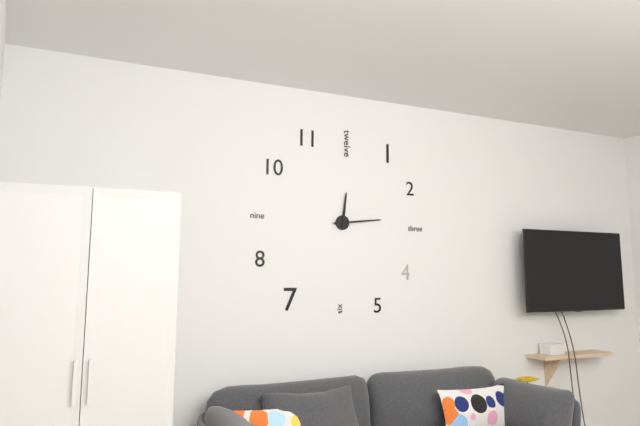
h=12 m=14
